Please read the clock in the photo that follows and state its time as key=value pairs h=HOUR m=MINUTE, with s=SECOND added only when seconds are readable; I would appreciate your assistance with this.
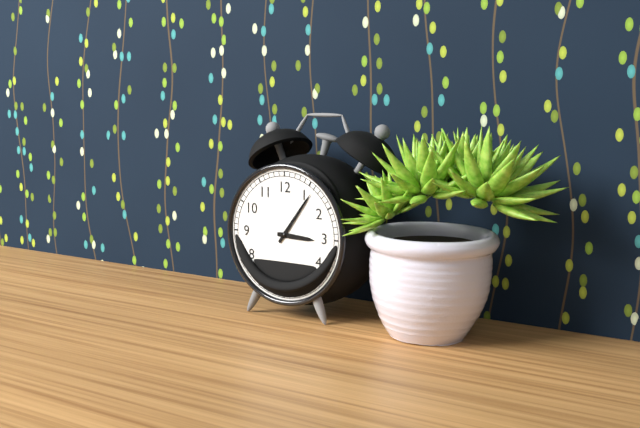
h=3 m=6
